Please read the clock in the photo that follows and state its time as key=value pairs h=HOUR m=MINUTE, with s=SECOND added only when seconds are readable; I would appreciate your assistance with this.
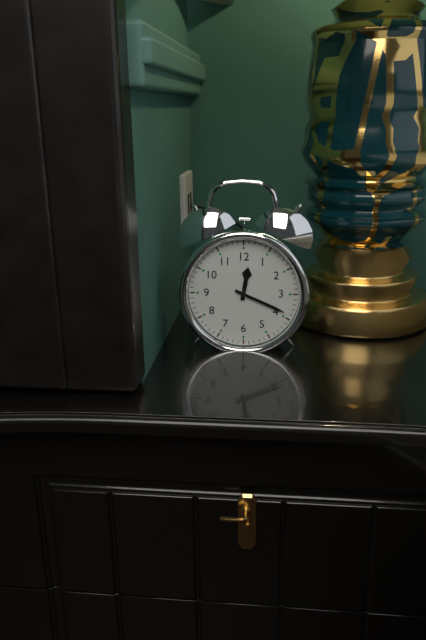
h=12 m=19
